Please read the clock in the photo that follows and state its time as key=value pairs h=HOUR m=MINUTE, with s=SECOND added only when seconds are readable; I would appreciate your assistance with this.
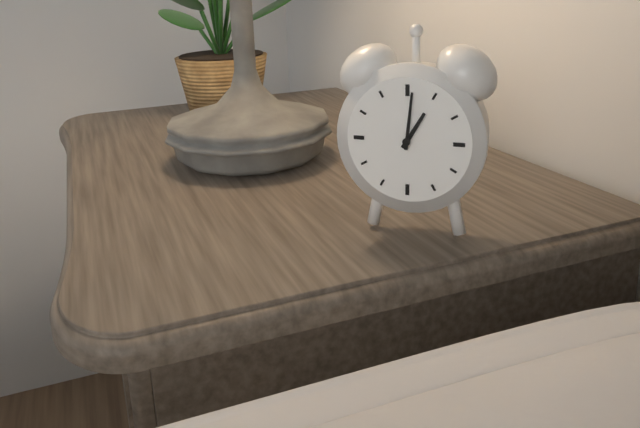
h=1 m=1
